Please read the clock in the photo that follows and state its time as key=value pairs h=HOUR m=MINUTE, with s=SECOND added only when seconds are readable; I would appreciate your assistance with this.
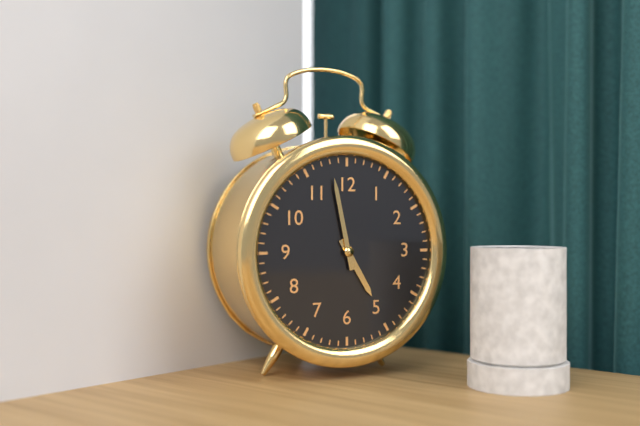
h=4 m=58
